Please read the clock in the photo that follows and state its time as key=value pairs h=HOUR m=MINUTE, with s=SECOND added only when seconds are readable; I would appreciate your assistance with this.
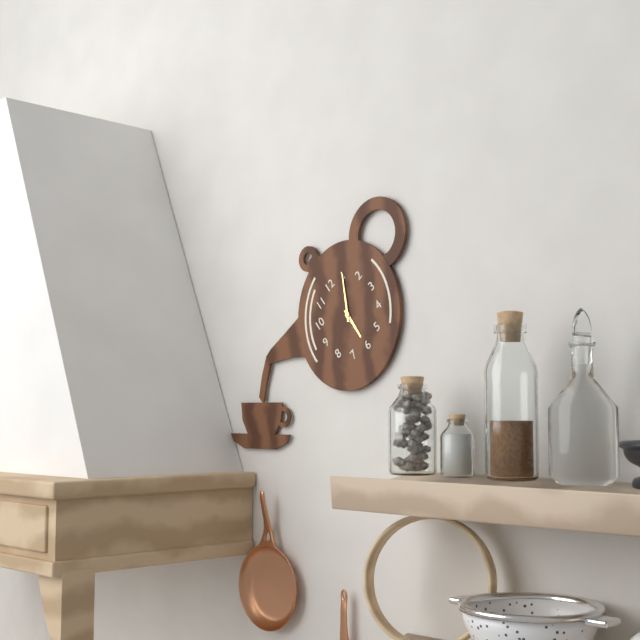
h=6 m=5
